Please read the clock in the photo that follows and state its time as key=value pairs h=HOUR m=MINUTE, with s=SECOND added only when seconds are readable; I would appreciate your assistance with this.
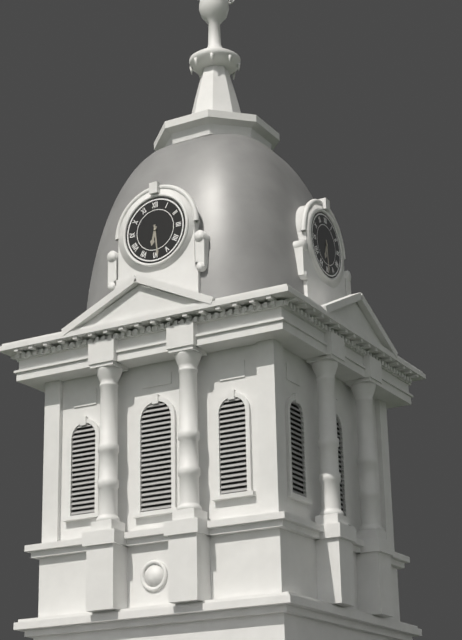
h=6 m=29
